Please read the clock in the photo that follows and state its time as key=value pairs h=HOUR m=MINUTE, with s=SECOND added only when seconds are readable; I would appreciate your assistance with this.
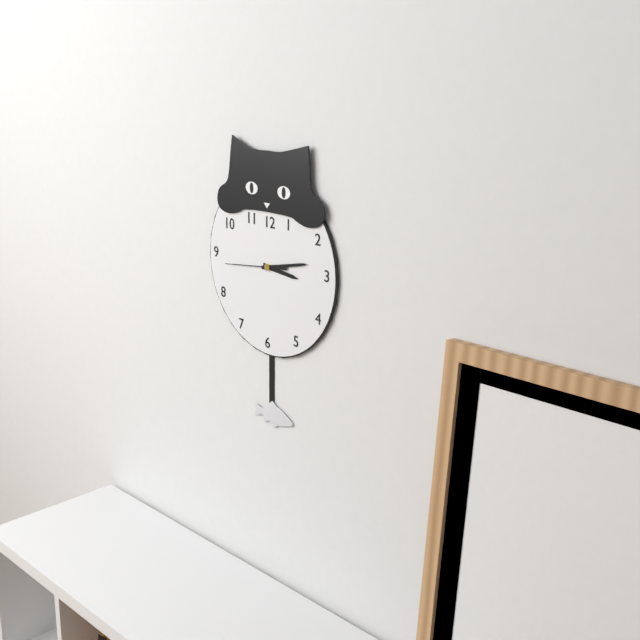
h=3 m=13 s=44
